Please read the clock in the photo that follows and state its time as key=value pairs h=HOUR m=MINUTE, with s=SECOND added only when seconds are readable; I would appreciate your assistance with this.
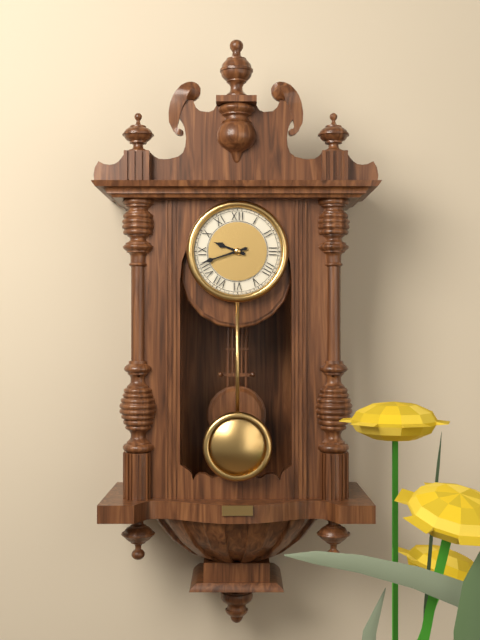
h=9 m=42
